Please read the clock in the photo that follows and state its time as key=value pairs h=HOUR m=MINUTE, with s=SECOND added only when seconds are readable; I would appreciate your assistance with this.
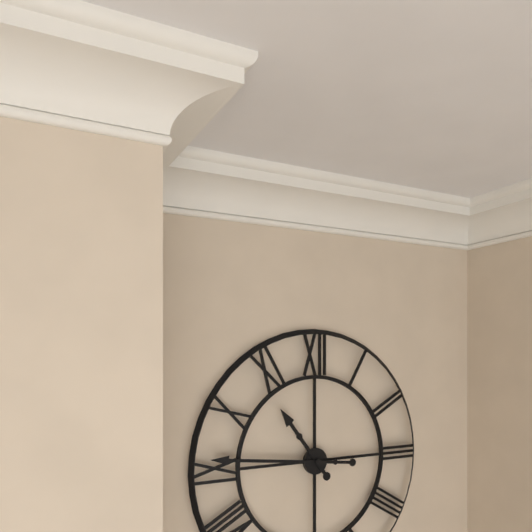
h=10 m=46
